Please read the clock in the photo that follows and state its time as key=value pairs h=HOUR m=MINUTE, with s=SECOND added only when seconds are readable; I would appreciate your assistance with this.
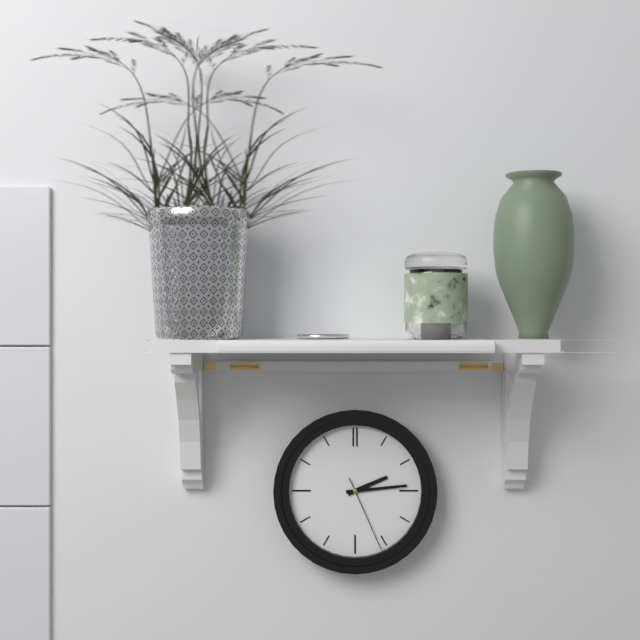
h=2 m=14 s=26
